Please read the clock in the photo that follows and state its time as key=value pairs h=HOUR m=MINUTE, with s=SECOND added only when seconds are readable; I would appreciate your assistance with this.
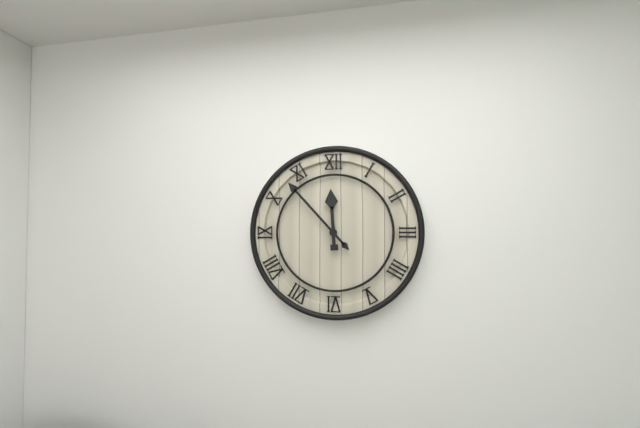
h=11 m=53
